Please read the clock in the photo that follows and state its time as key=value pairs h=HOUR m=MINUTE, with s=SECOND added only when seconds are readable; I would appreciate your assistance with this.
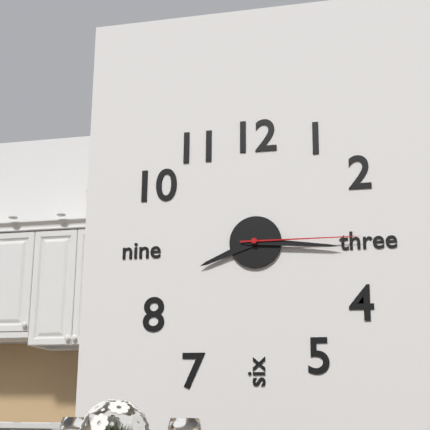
h=8 m=16 s=15
